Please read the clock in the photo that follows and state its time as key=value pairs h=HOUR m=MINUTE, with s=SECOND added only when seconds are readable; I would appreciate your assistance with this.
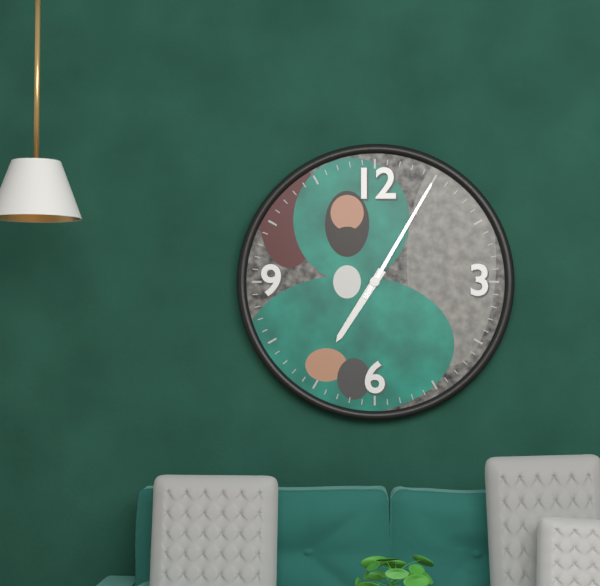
h=7 m=5
